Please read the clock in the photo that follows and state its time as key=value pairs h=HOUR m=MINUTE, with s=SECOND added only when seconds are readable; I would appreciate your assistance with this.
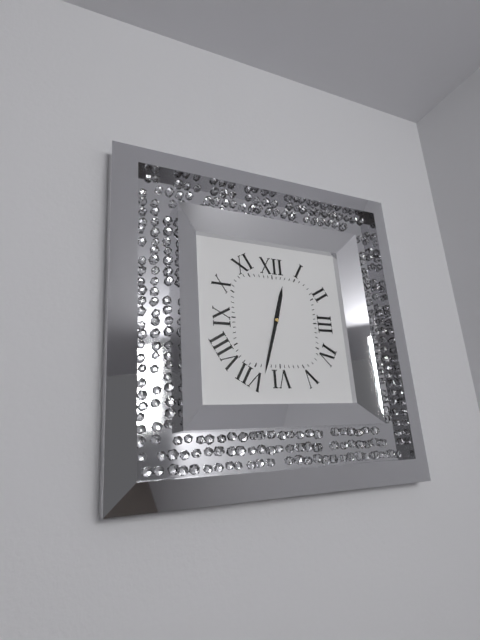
h=12 m=33
